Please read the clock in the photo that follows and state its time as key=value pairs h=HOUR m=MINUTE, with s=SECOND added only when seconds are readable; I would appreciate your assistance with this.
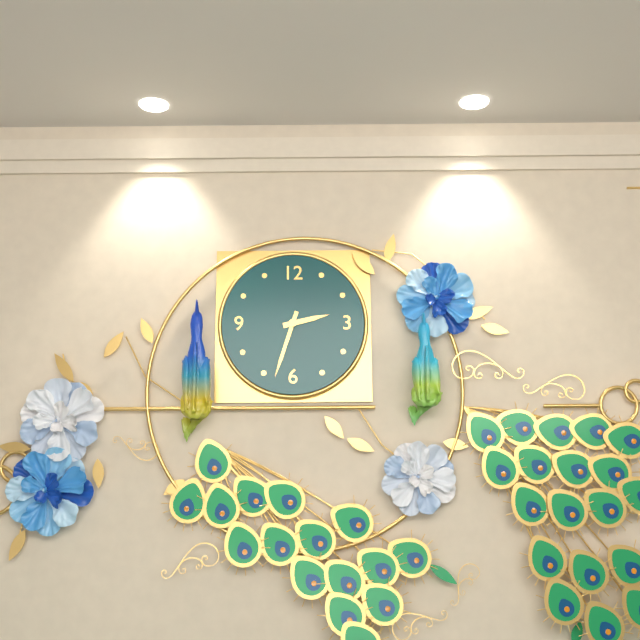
h=2 m=33
